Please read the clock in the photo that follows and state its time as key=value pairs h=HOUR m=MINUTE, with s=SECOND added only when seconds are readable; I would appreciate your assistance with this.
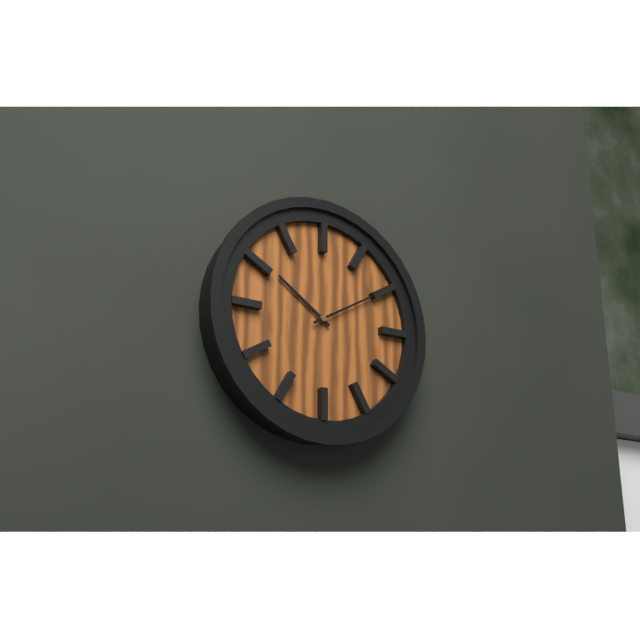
h=10 m=10
